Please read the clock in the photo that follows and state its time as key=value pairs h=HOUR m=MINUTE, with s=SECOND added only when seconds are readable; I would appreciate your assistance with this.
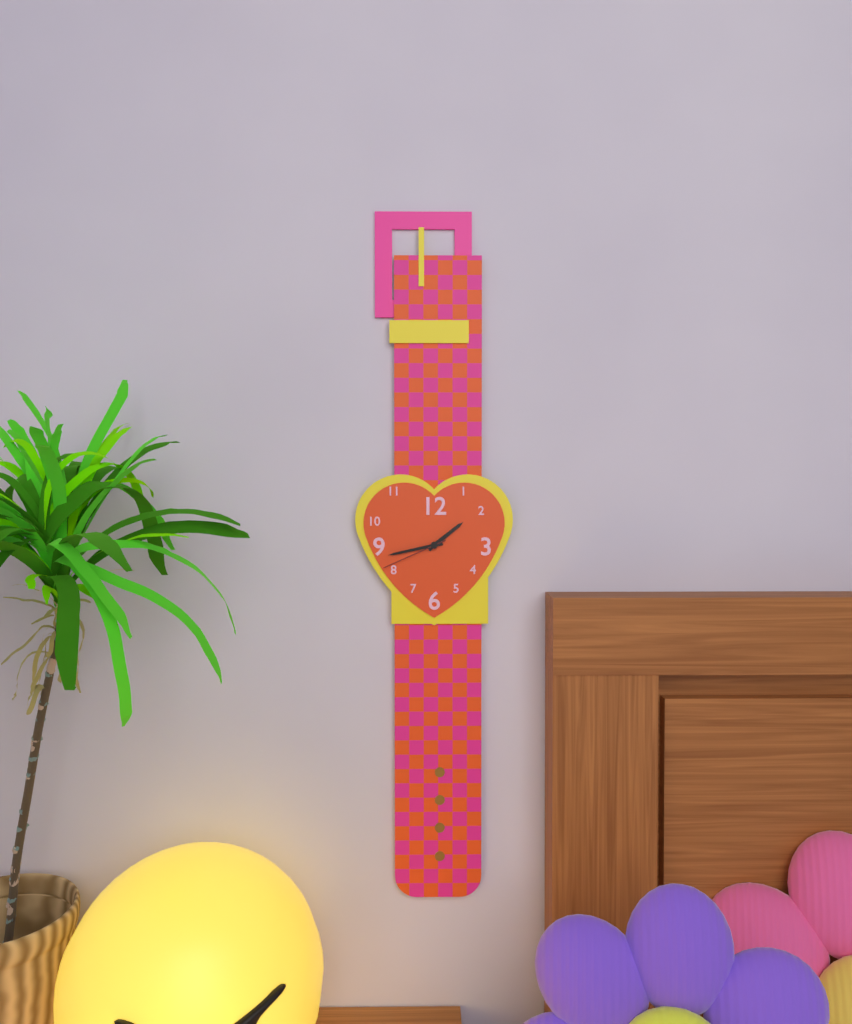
h=1 m=43 s=41
